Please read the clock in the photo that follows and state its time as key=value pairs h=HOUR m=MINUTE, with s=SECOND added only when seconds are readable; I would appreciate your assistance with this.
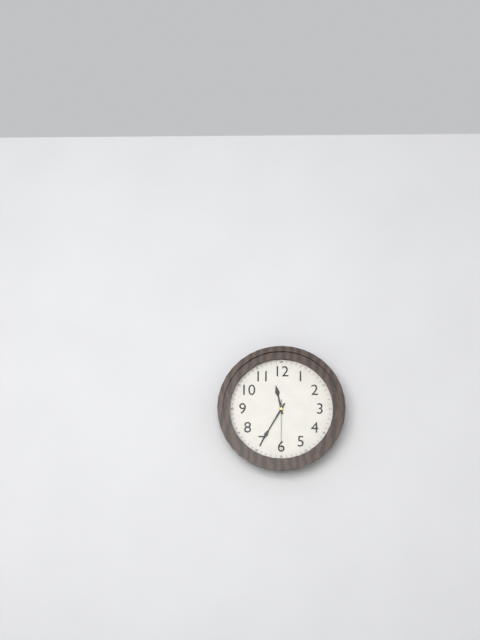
h=11 m=35 s=30
